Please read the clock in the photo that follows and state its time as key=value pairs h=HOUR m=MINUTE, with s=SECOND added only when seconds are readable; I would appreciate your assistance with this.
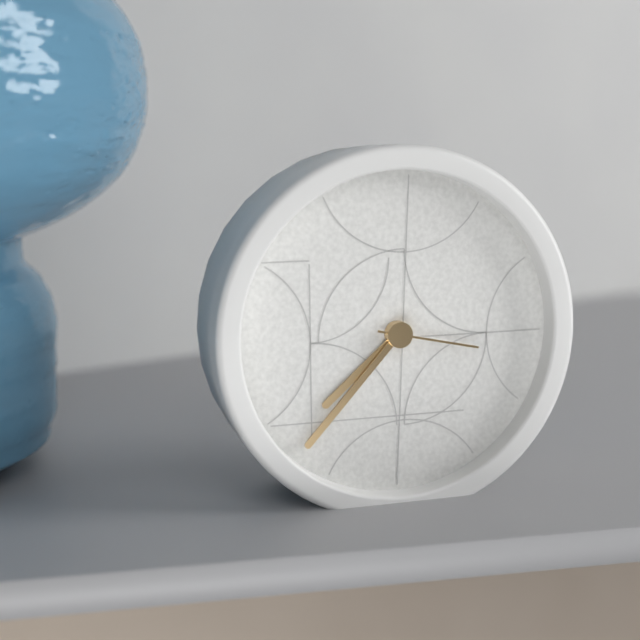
h=7 m=37 s=17
